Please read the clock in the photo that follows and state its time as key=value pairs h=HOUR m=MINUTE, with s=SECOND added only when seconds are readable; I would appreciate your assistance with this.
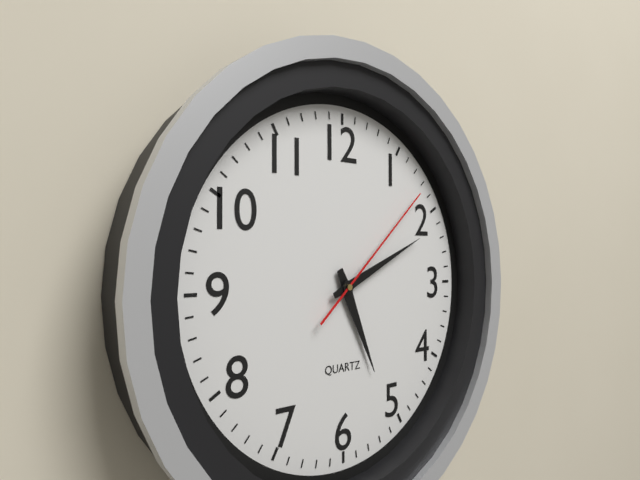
h=5 m=11 s=8
